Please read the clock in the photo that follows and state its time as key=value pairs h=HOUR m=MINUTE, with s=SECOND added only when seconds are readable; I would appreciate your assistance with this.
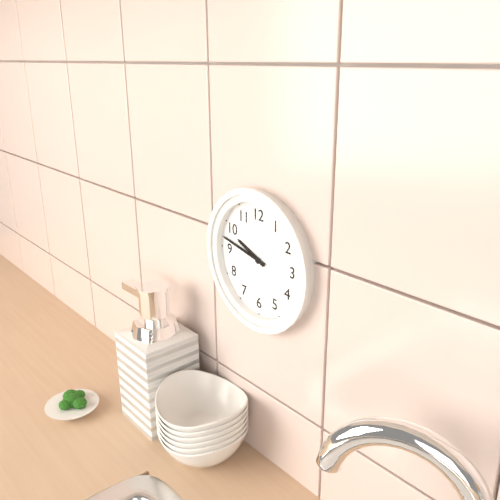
h=9 m=47
